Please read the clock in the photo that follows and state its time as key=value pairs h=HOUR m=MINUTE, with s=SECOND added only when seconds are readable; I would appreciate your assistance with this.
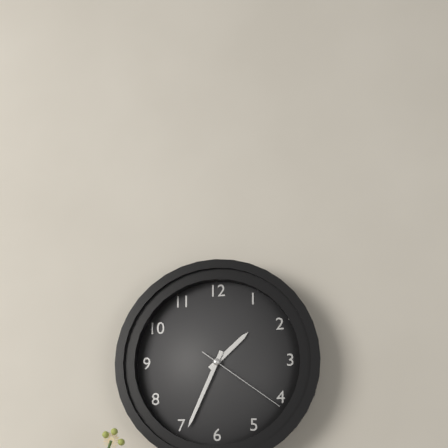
h=1 m=34 s=21
